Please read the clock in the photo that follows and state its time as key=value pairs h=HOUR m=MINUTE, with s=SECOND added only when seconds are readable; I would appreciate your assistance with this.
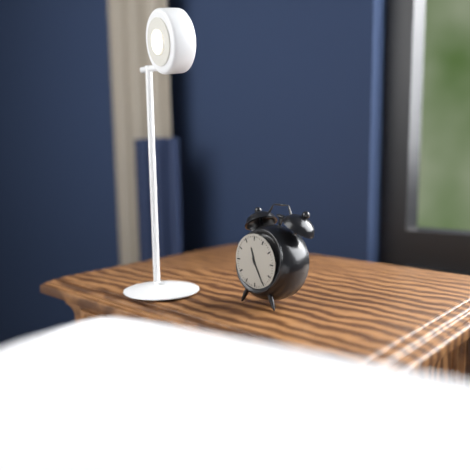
h=11 m=25
